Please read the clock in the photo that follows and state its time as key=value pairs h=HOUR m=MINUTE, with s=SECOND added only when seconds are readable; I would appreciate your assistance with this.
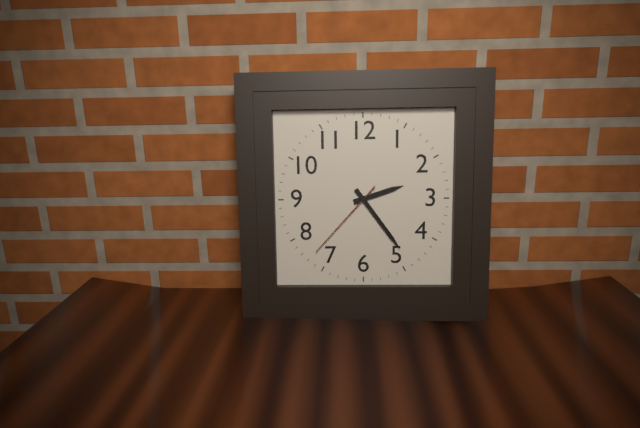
h=2 m=24 s=37
